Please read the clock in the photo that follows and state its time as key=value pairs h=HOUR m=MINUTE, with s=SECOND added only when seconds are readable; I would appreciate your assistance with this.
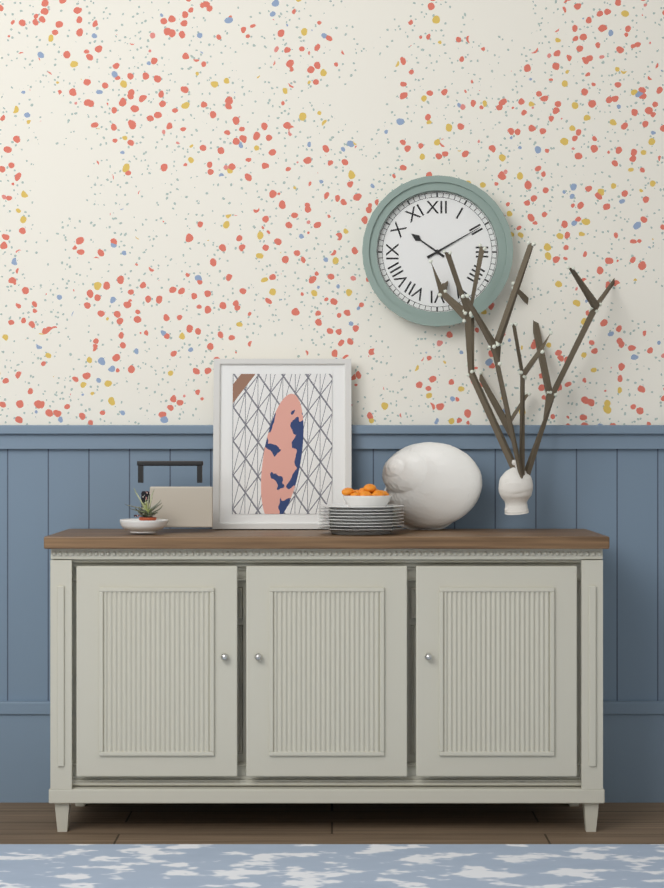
h=10 m=10
